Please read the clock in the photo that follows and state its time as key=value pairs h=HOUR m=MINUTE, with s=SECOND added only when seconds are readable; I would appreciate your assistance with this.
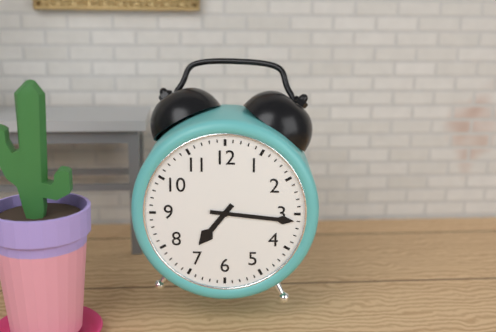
h=7 m=16
